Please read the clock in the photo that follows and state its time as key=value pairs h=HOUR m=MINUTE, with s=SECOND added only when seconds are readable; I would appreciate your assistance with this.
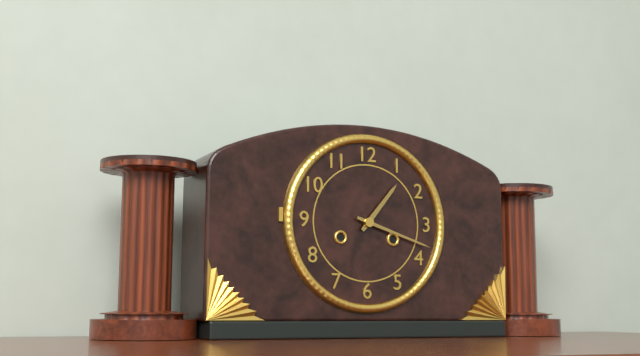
h=1 m=18
